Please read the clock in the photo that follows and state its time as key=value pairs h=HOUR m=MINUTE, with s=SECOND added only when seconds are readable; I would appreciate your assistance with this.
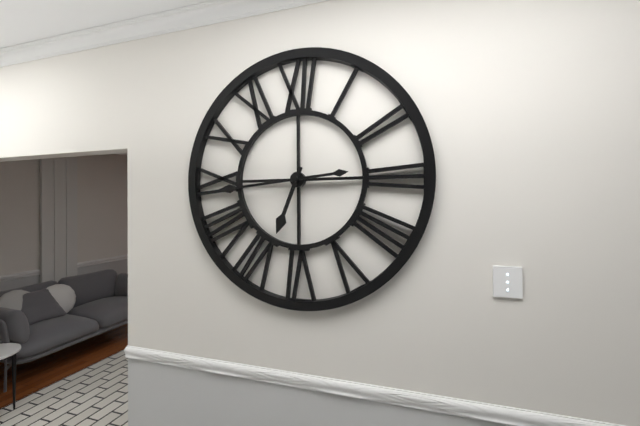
h=6 m=44
